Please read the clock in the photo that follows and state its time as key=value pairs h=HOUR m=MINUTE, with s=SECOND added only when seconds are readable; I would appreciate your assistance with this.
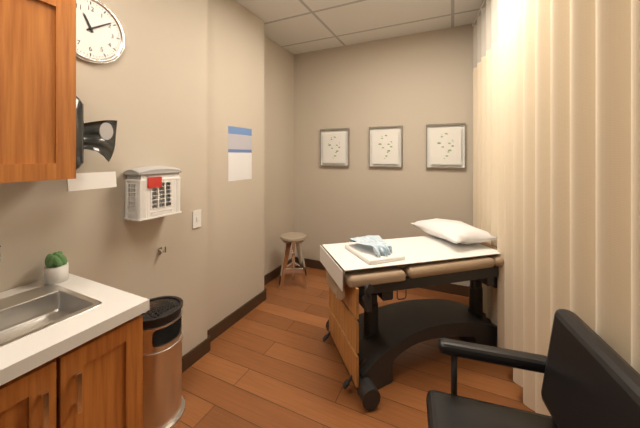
h=11 m=9
